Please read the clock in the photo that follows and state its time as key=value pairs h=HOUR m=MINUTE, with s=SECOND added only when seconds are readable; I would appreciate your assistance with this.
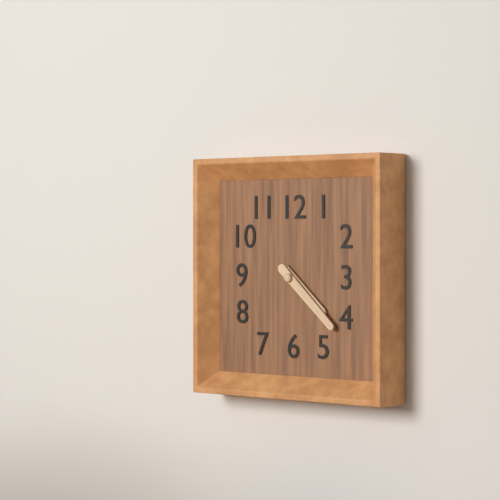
h=4 m=22
